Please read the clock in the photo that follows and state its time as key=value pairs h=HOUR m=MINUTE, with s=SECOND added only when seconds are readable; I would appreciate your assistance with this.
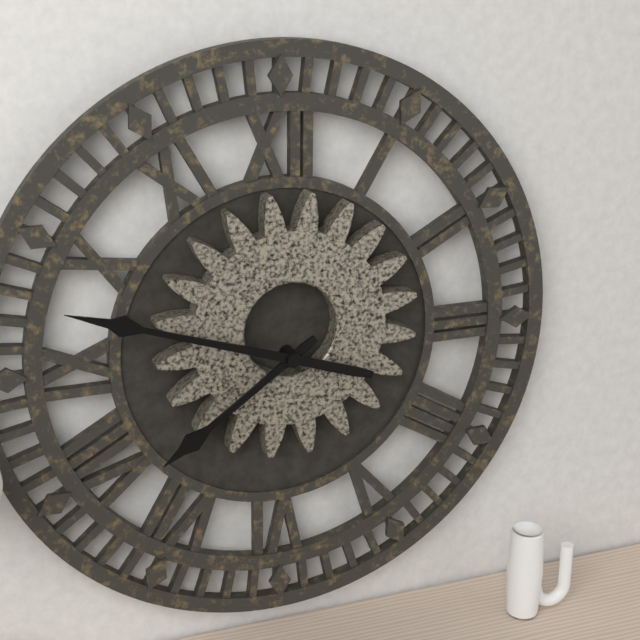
h=7 m=48
